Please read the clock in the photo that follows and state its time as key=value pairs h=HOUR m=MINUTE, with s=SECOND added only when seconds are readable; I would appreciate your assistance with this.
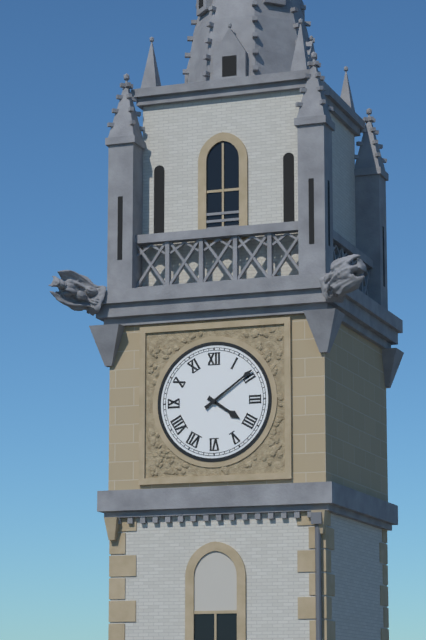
h=4 m=9
